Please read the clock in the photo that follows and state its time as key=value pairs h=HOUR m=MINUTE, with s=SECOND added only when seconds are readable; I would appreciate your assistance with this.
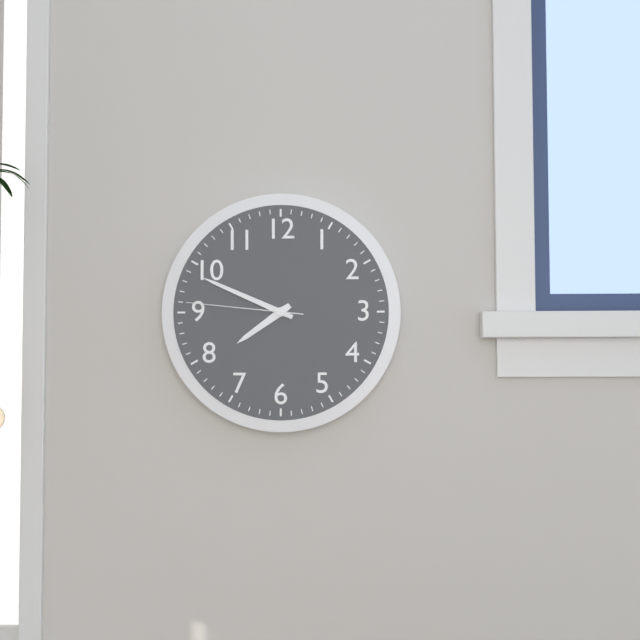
h=7 m=49 s=46
